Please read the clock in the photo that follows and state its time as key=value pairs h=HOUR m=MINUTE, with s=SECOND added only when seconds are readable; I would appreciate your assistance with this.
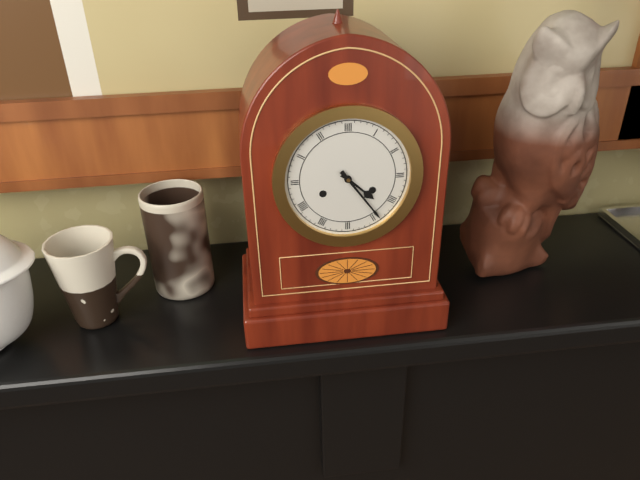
h=4 m=24
